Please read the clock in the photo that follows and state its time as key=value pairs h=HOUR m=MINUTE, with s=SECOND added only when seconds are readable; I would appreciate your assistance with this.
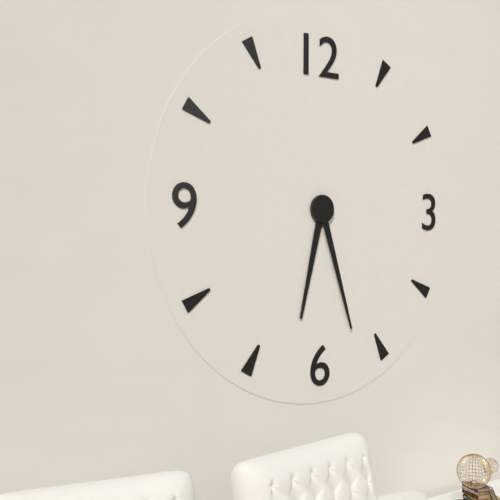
h=6 m=27
